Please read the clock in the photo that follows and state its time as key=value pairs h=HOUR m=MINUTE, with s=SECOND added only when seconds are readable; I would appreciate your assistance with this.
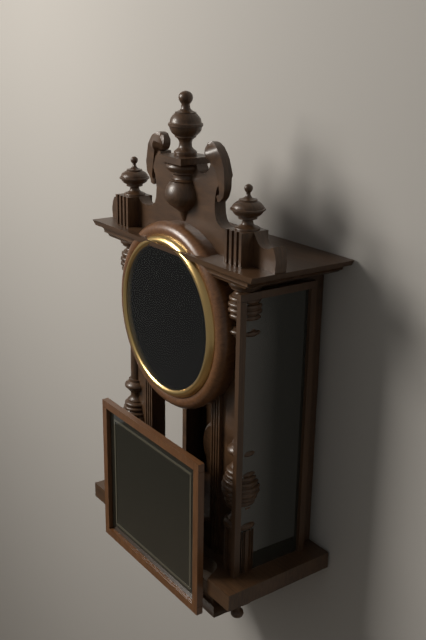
h=7 m=19
